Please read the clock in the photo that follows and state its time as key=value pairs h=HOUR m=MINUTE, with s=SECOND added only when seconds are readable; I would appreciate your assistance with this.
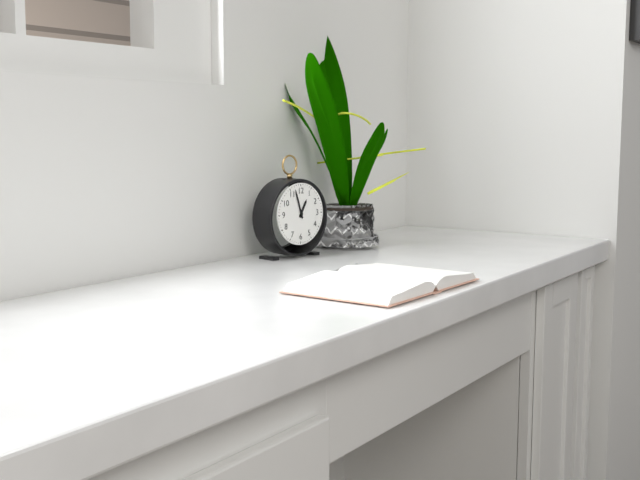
h=12 m=57
